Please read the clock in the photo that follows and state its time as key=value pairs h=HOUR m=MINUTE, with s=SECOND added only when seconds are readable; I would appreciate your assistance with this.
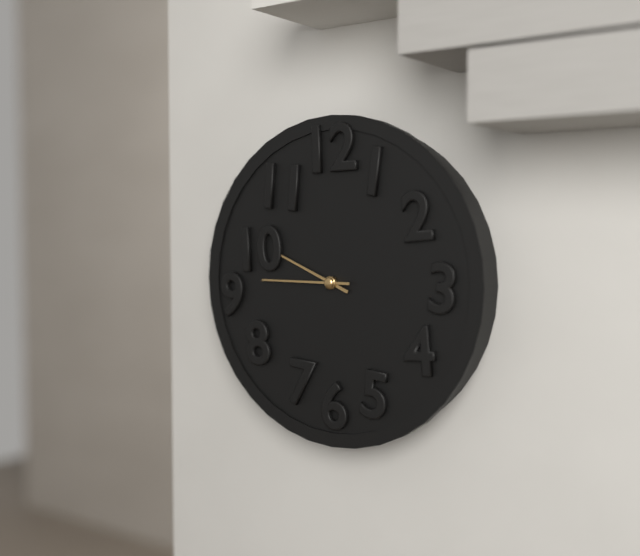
h=9 m=45
